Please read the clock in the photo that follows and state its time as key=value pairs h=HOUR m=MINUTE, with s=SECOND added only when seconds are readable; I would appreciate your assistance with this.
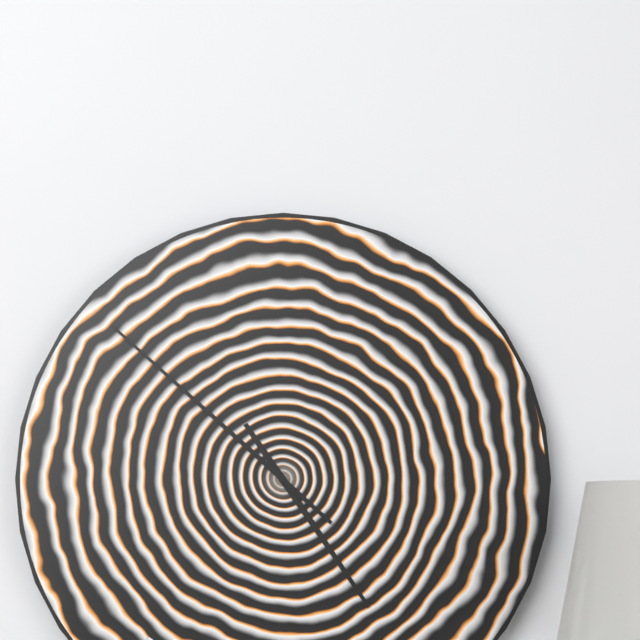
h=4 m=52
